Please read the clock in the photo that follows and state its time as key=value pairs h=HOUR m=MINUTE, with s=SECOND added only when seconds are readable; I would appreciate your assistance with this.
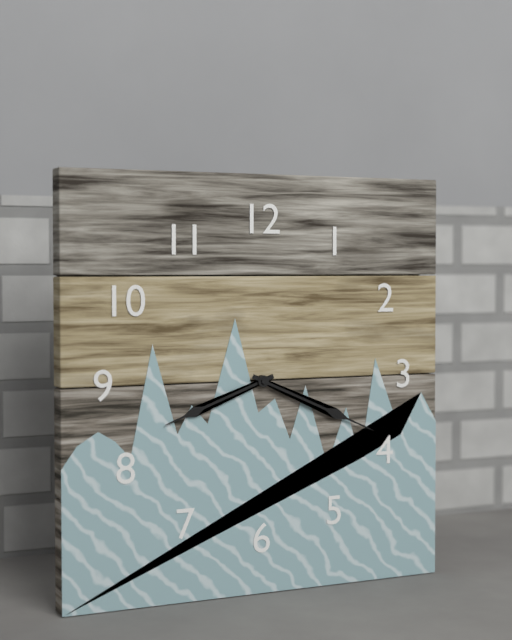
h=8 m=19
